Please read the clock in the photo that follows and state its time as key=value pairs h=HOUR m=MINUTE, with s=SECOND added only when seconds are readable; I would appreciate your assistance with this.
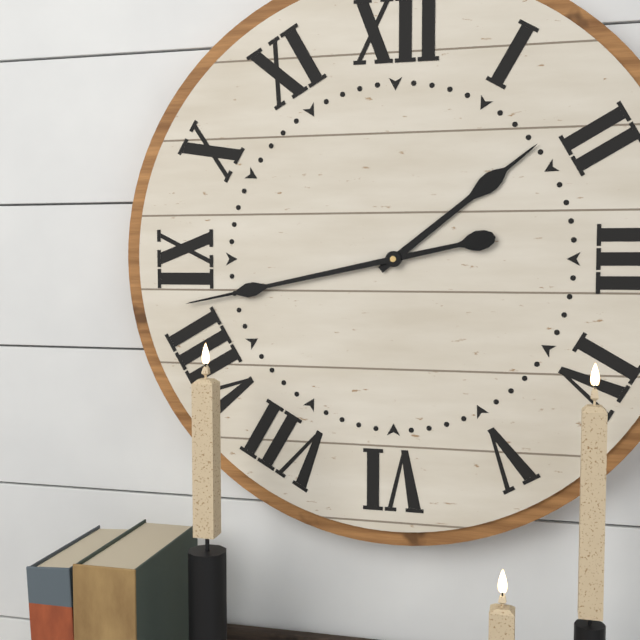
h=1 m=43
